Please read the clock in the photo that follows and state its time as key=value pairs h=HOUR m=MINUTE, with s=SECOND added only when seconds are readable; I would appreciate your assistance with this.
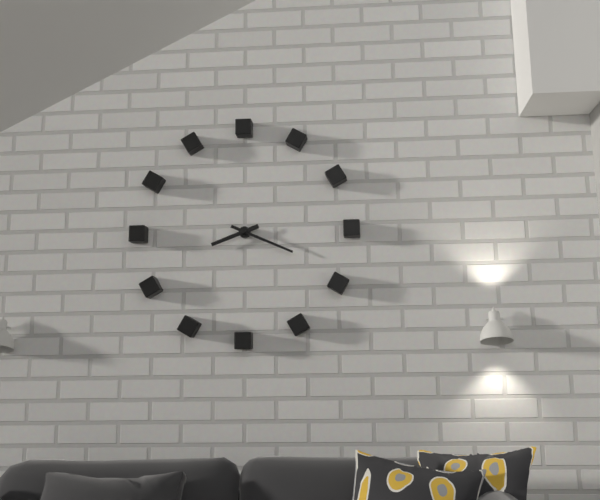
h=8 m=19
